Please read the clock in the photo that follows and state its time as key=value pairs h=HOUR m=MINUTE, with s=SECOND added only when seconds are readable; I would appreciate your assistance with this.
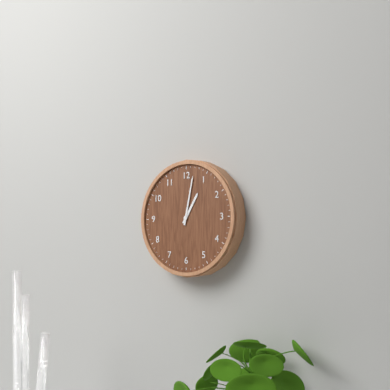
h=1 m=2
